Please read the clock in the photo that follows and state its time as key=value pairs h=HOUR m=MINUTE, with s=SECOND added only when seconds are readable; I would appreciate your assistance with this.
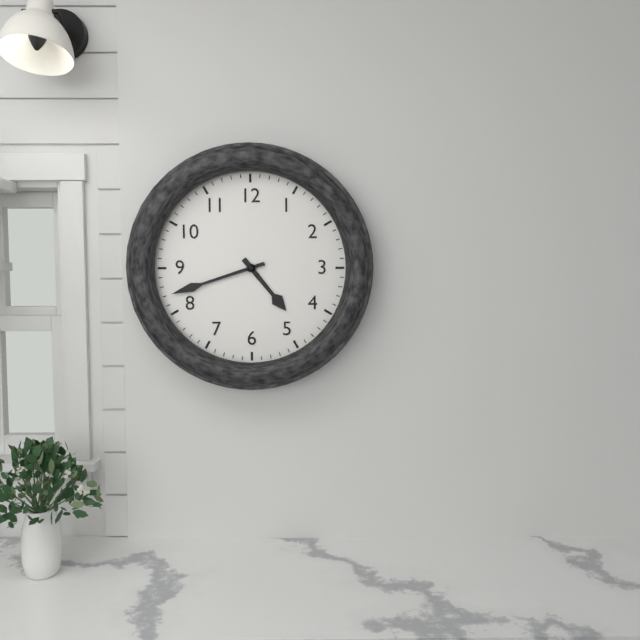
h=4 m=42
